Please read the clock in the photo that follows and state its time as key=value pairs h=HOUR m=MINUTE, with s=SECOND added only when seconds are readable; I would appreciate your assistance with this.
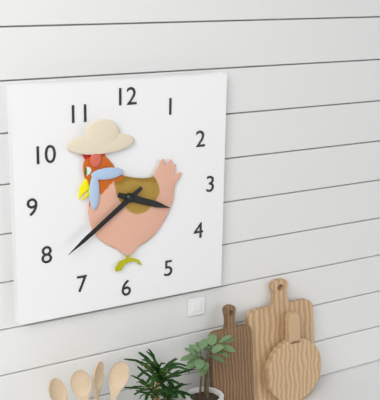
h=3 m=39
